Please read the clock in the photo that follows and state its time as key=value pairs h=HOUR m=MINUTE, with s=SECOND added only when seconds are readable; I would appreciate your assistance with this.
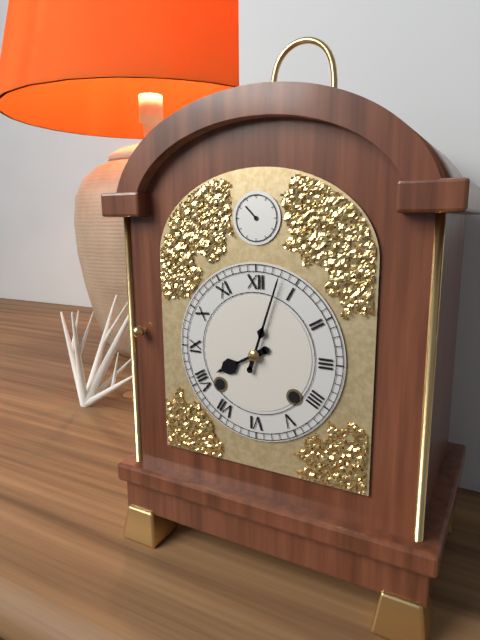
h=8 m=3
